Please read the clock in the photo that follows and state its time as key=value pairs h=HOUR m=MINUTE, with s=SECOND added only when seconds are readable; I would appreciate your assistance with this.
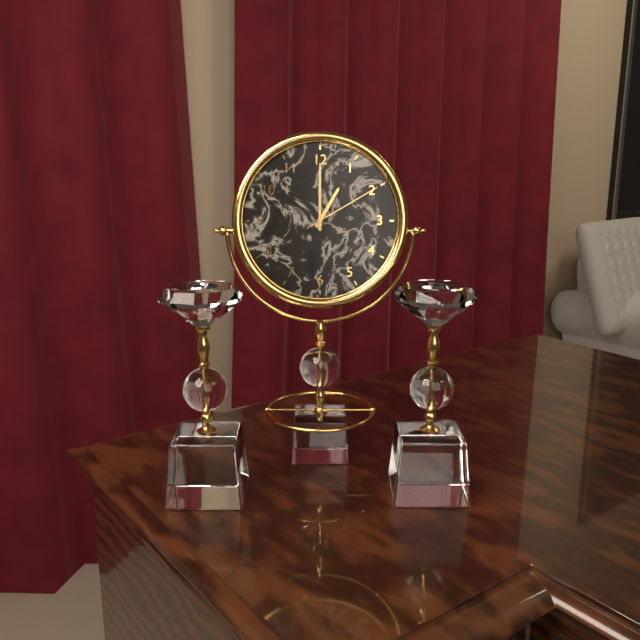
h=1 m=0 s=10
